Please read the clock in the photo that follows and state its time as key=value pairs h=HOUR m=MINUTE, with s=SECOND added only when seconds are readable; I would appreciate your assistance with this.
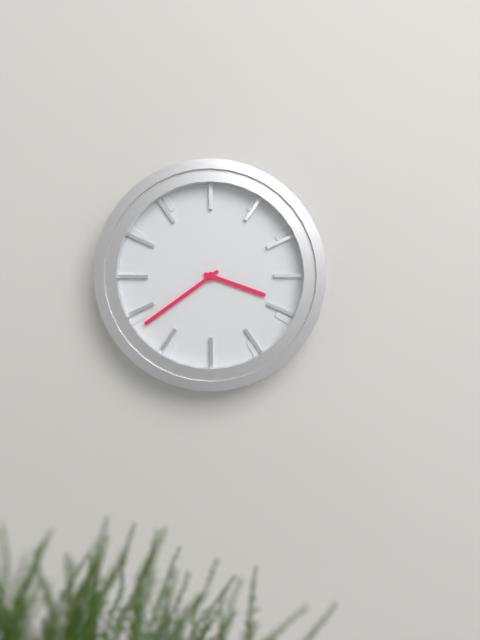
h=3 m=39
